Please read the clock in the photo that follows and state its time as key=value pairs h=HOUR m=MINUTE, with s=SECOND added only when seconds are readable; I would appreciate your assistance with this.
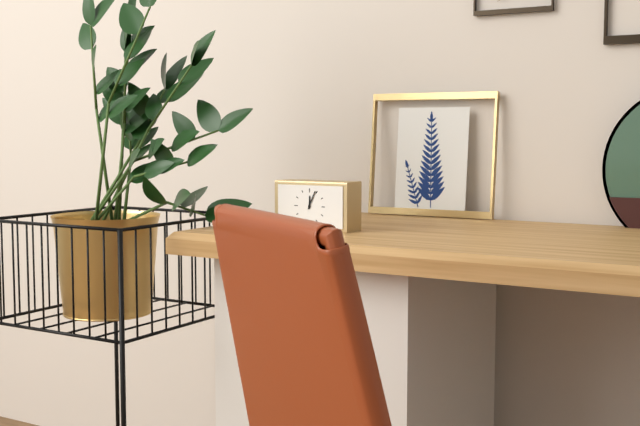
h=12 m=4
